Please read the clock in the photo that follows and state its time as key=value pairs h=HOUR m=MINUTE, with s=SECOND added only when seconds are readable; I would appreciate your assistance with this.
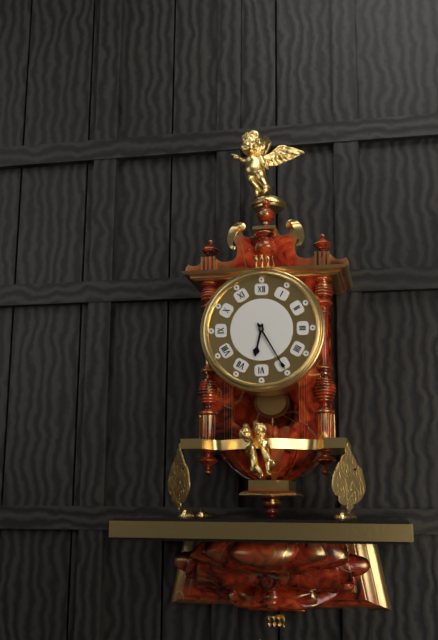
h=6 m=25
